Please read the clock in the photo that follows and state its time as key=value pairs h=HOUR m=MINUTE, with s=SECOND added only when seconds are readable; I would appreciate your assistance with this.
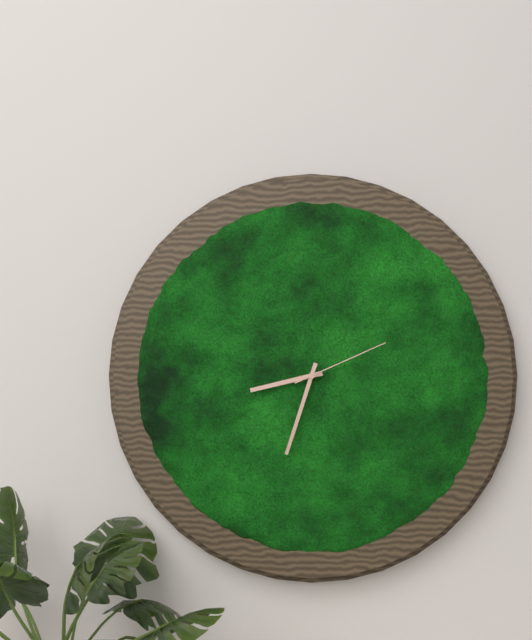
h=8 m=33 s=11
